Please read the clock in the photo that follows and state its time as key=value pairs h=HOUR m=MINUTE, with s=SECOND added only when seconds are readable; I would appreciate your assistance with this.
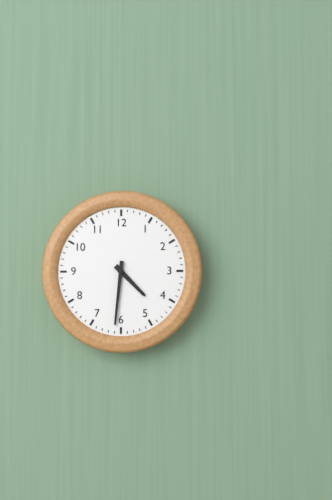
h=4 m=31
